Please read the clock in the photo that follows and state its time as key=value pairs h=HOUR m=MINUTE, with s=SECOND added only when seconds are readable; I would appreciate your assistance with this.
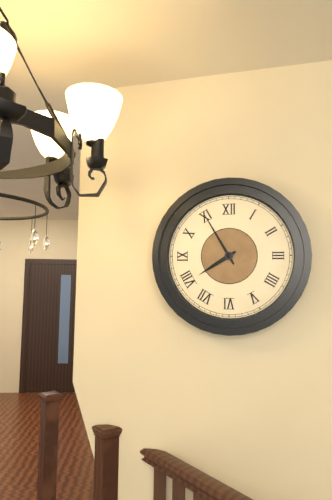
h=7 m=55
